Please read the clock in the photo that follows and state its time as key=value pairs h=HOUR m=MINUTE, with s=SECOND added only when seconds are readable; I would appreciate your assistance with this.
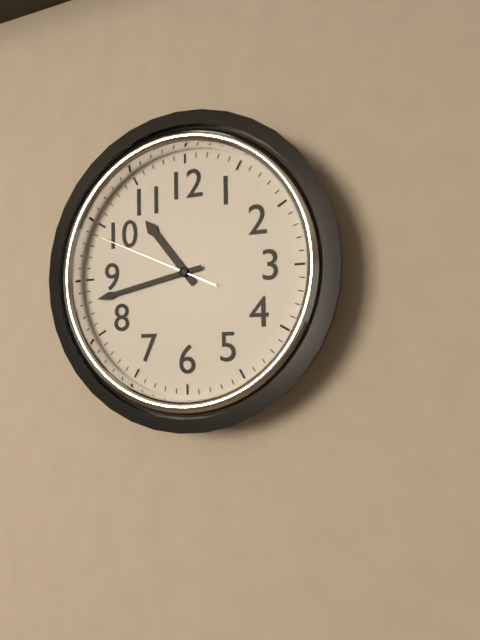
h=10 m=43 s=49
